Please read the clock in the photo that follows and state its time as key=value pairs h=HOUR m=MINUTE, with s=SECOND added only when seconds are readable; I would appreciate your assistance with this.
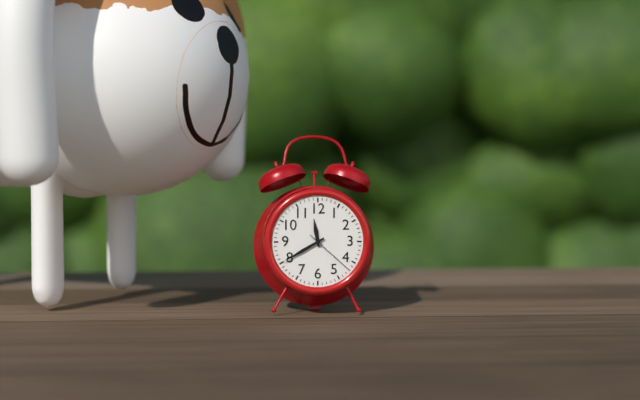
h=11 m=40 s=22
